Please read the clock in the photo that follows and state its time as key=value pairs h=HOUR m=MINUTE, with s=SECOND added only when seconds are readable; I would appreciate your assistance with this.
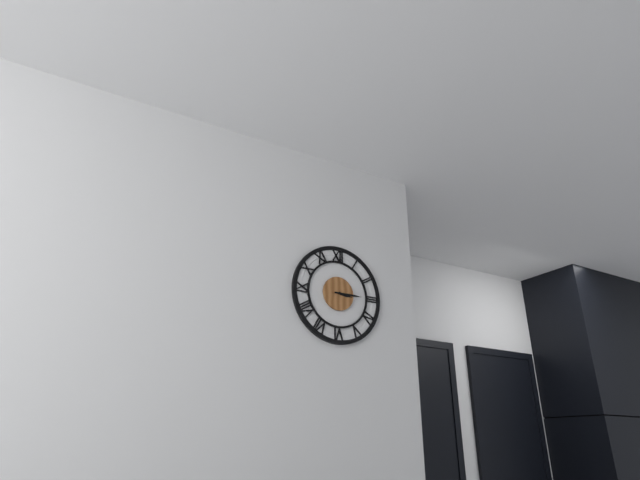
h=3 m=15
